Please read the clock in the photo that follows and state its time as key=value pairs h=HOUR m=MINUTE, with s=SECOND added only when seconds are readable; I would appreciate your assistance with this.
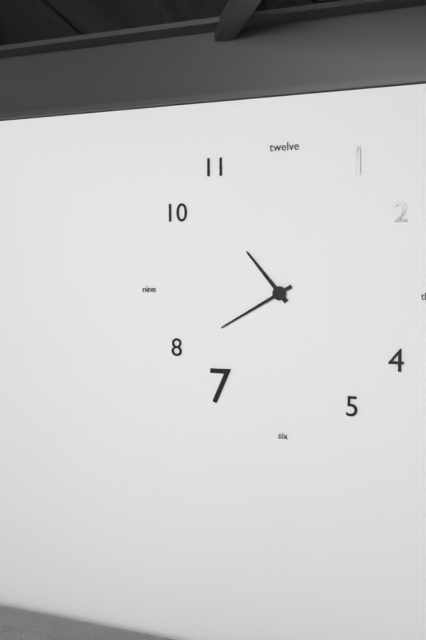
h=10 m=40
